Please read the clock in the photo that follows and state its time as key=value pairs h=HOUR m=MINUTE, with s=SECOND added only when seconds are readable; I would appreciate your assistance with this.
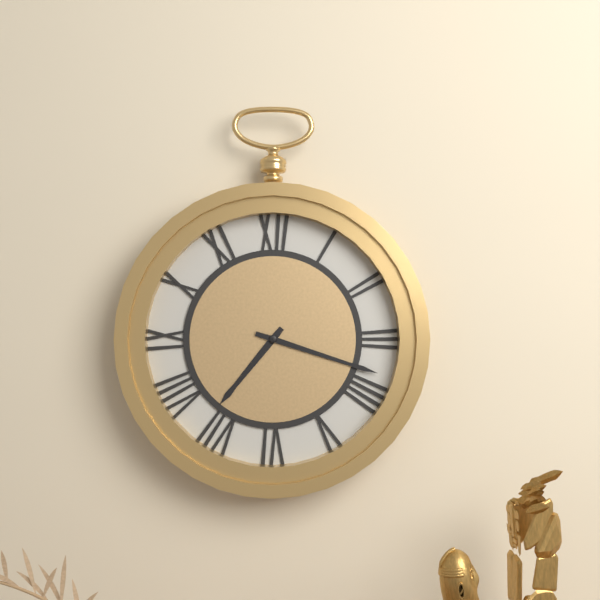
h=7 m=18
